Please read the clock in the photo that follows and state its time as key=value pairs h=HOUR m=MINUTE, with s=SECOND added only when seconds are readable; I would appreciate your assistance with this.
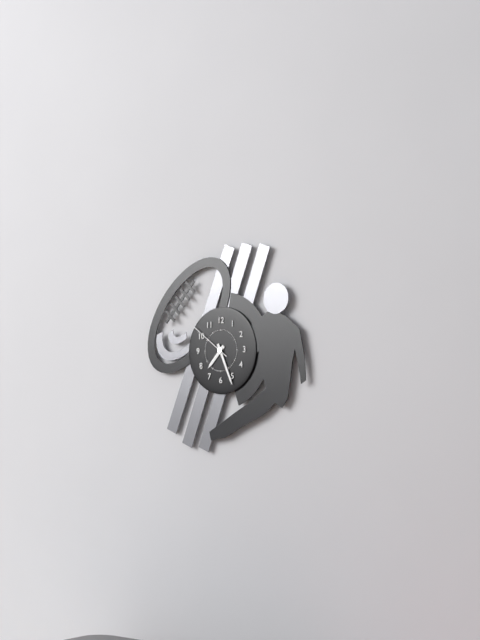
h=7 m=26
